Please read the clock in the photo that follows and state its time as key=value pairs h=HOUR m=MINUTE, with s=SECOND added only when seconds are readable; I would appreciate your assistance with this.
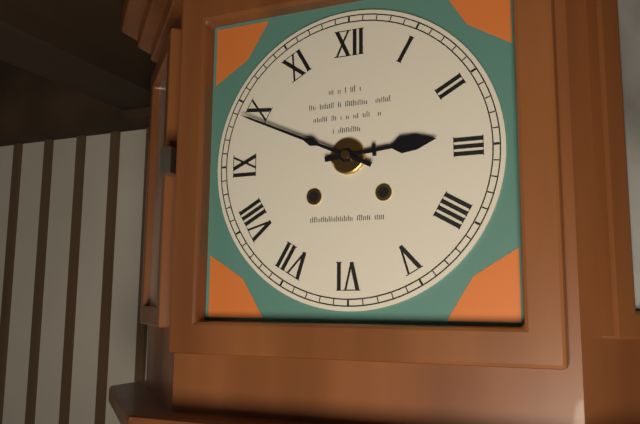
h=2 m=49
